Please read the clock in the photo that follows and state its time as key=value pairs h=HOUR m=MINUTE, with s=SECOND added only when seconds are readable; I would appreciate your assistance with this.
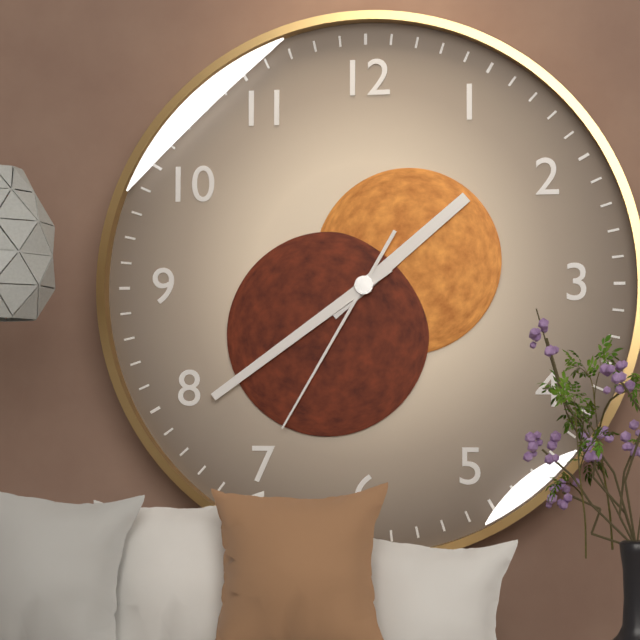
h=1 m=39 s=35
